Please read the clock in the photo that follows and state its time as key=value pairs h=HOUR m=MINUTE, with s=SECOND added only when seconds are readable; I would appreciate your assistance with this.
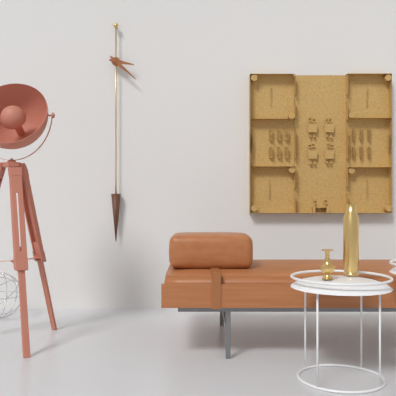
h=3 m=22
